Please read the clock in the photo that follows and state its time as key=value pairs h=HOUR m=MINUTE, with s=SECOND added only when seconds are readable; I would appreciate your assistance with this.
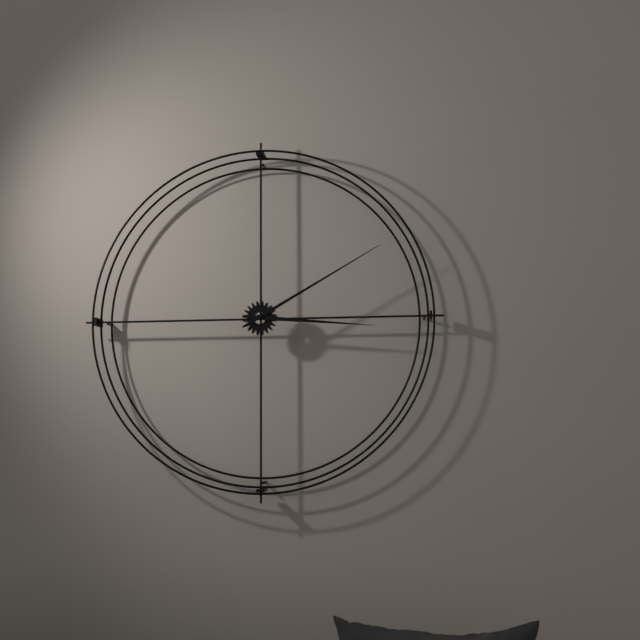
h=3 m=10
